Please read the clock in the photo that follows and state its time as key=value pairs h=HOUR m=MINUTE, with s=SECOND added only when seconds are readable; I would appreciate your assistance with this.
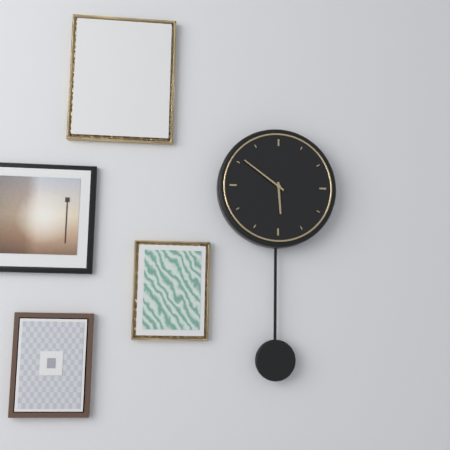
h=5 m=51
